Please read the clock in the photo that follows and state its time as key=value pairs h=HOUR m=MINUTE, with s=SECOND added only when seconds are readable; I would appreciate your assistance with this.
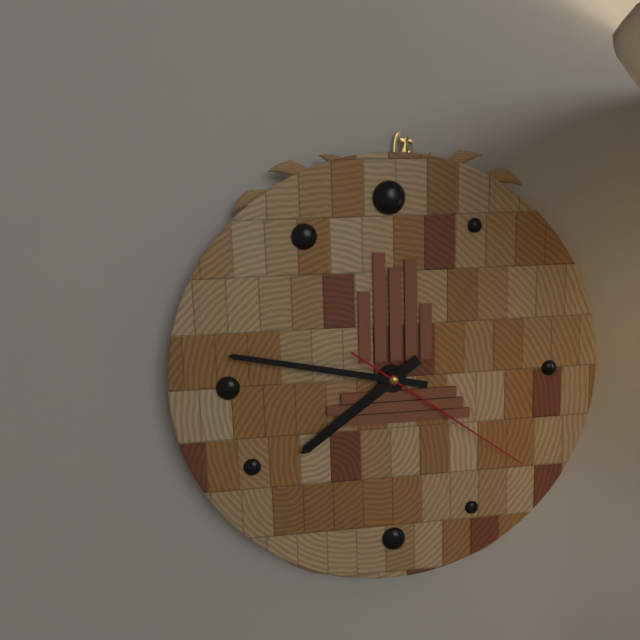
h=7 m=47 s=21
